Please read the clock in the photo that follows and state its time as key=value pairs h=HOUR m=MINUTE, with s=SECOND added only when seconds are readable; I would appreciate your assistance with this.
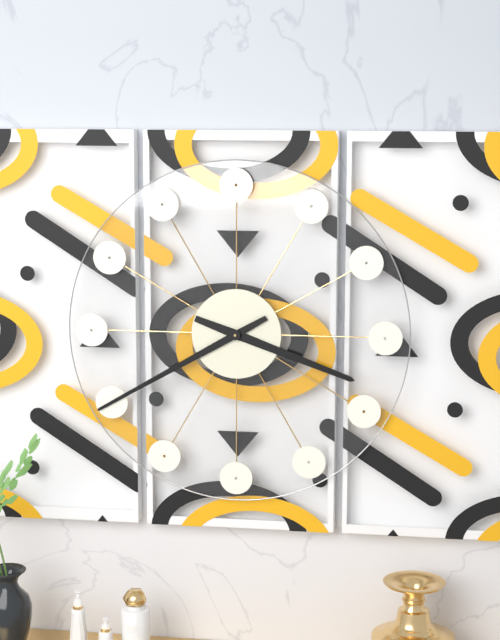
h=3 m=40
